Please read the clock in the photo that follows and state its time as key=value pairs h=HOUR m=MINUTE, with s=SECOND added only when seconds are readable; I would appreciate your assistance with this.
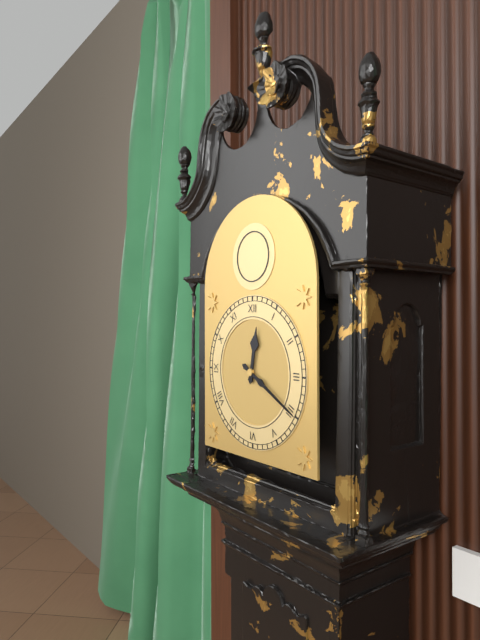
h=12 m=20
